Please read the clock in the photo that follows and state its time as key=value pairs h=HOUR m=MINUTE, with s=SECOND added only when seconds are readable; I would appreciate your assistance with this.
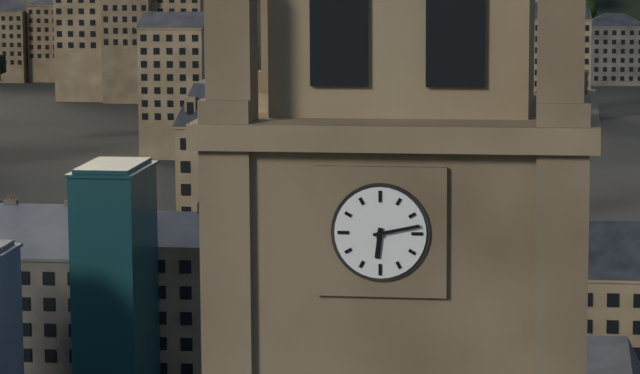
h=6 m=13
